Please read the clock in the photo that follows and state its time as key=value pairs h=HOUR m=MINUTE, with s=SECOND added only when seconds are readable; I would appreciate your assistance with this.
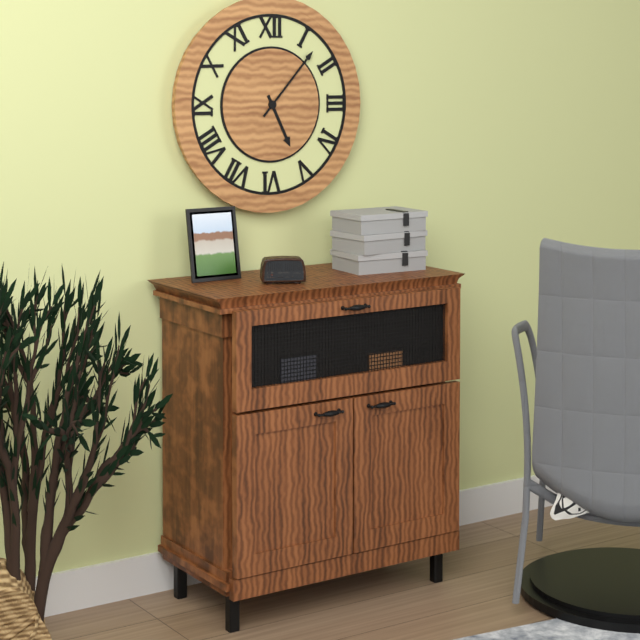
h=5 m=7
